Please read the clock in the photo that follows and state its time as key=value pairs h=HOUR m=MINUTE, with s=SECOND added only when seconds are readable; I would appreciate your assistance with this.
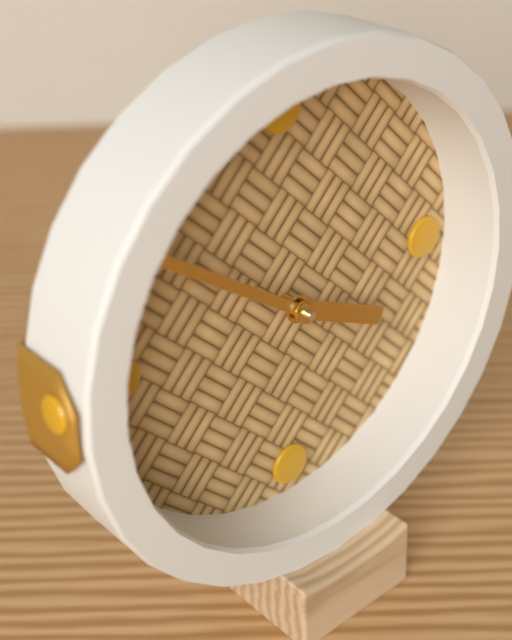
h=3 m=51
